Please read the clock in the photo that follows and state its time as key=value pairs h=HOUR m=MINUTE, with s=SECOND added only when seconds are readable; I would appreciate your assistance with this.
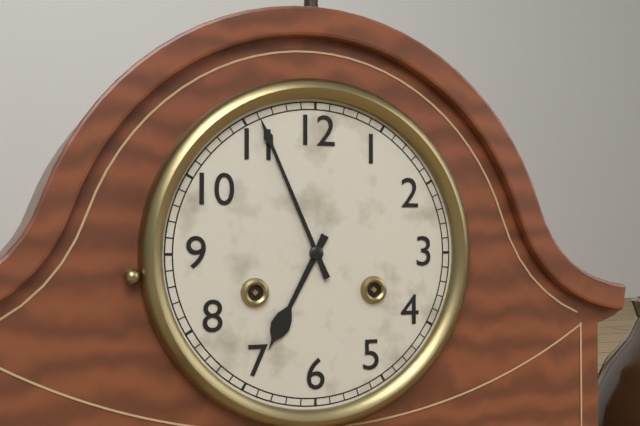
h=6 m=56
